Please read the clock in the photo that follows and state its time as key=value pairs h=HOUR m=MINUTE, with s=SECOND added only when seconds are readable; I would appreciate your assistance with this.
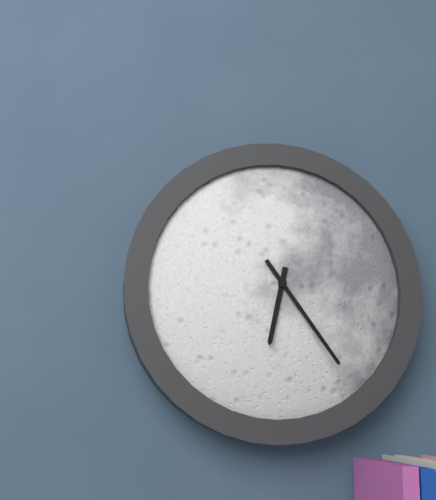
h=6 m=24
